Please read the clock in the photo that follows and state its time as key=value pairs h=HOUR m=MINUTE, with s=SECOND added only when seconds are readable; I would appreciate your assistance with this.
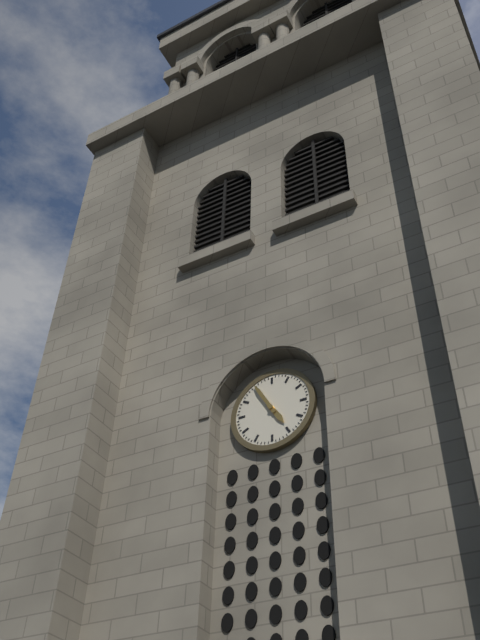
h=4 m=55
